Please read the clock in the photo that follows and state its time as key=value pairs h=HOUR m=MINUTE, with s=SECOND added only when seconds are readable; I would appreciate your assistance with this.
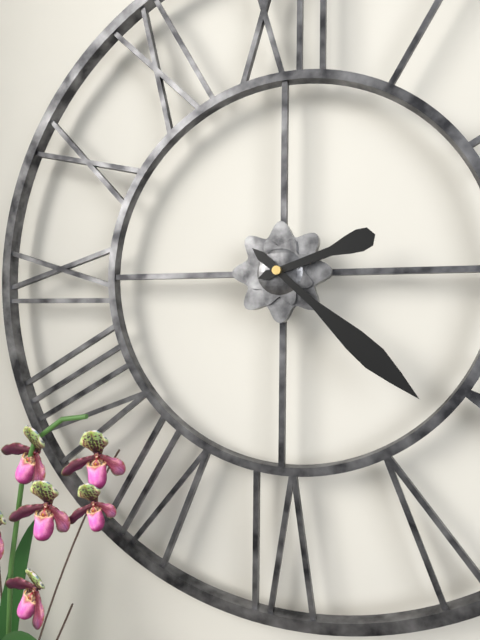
h=2 m=22
